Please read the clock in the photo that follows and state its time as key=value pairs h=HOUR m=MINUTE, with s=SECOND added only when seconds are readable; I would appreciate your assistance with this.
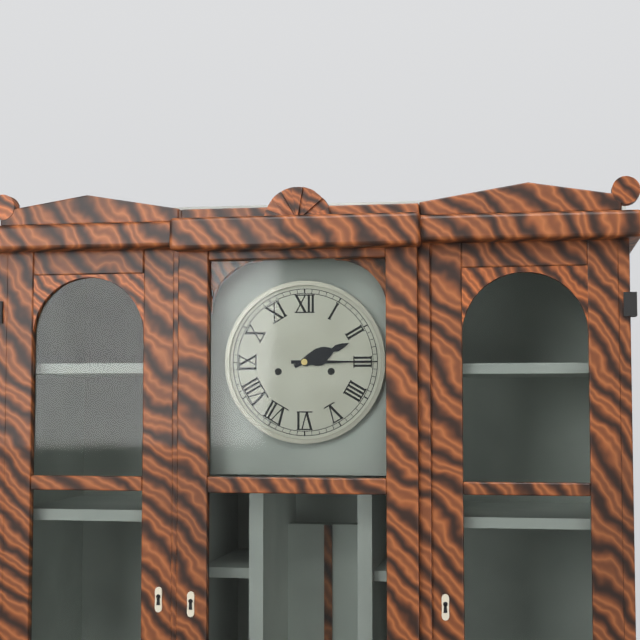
h=2 m=15
